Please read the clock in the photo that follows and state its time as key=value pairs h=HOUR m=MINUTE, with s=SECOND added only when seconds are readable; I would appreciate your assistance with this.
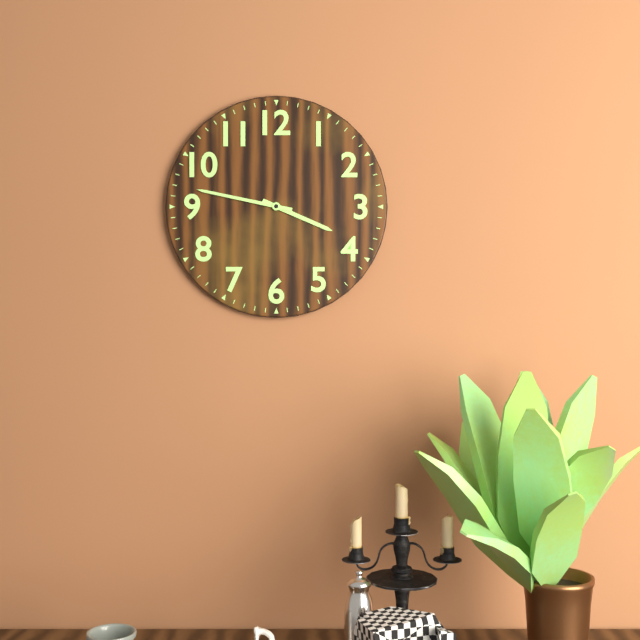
h=3 m=47
